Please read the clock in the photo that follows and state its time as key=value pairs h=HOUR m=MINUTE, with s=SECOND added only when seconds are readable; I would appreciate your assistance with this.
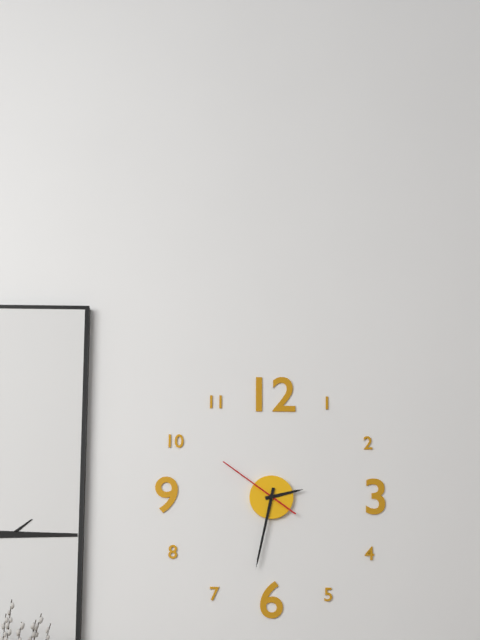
h=2 m=32 s=51
